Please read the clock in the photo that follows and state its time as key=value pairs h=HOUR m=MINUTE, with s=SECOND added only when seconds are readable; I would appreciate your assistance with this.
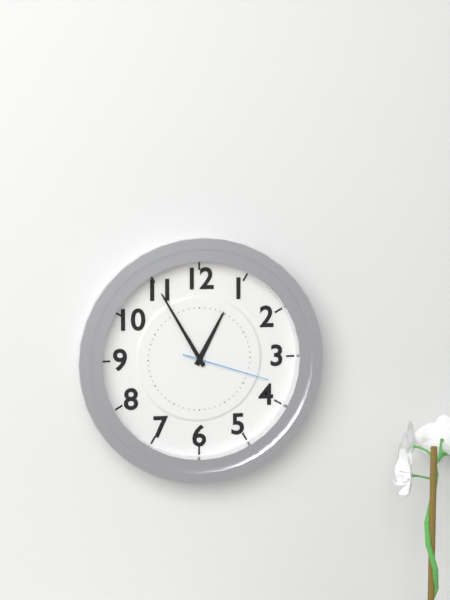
h=12 m=55 s=18
